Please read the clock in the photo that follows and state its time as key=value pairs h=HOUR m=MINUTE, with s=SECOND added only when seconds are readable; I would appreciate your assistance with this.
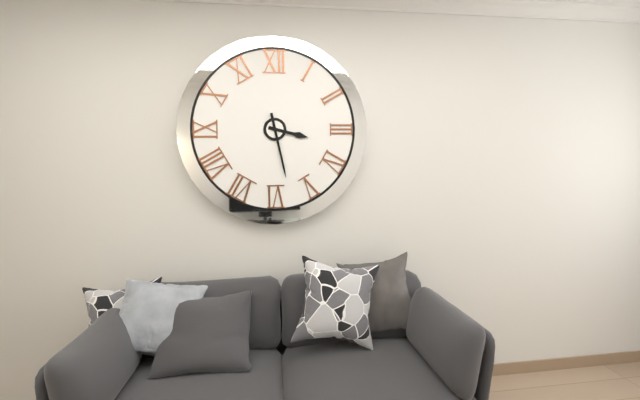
h=3 m=28
